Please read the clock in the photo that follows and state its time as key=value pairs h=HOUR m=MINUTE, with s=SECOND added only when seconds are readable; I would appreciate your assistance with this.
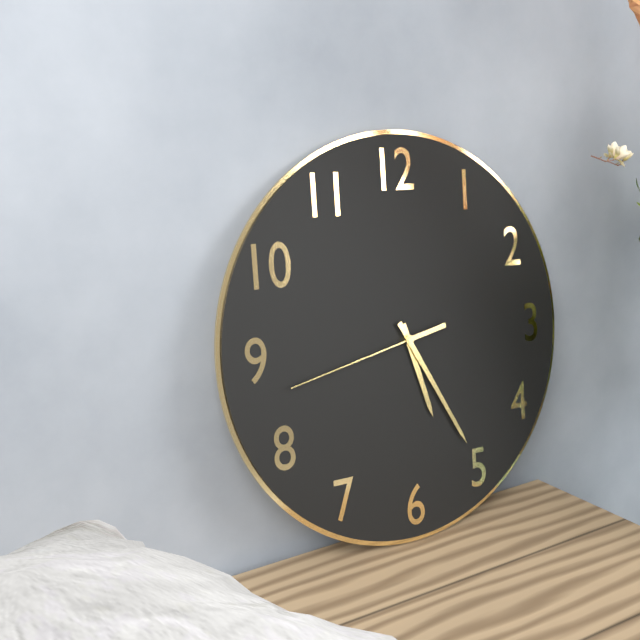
h=5 m=25 s=43
